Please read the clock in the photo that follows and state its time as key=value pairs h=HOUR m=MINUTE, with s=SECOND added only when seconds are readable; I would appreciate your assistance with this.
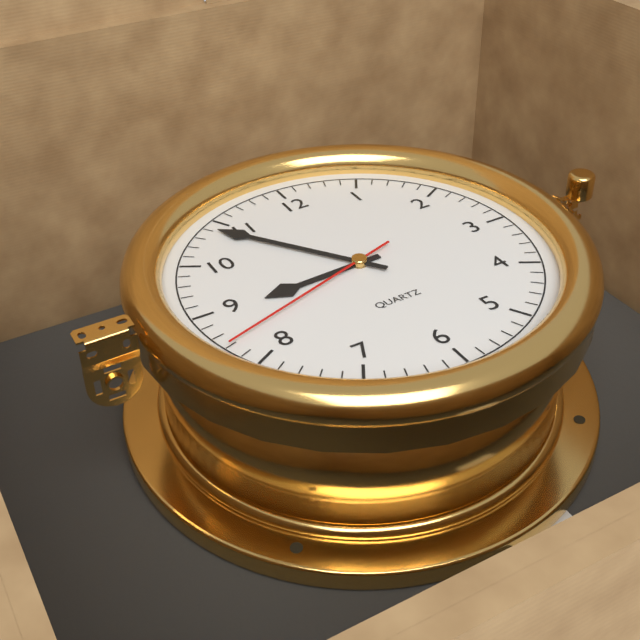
h=8 m=54 s=42
